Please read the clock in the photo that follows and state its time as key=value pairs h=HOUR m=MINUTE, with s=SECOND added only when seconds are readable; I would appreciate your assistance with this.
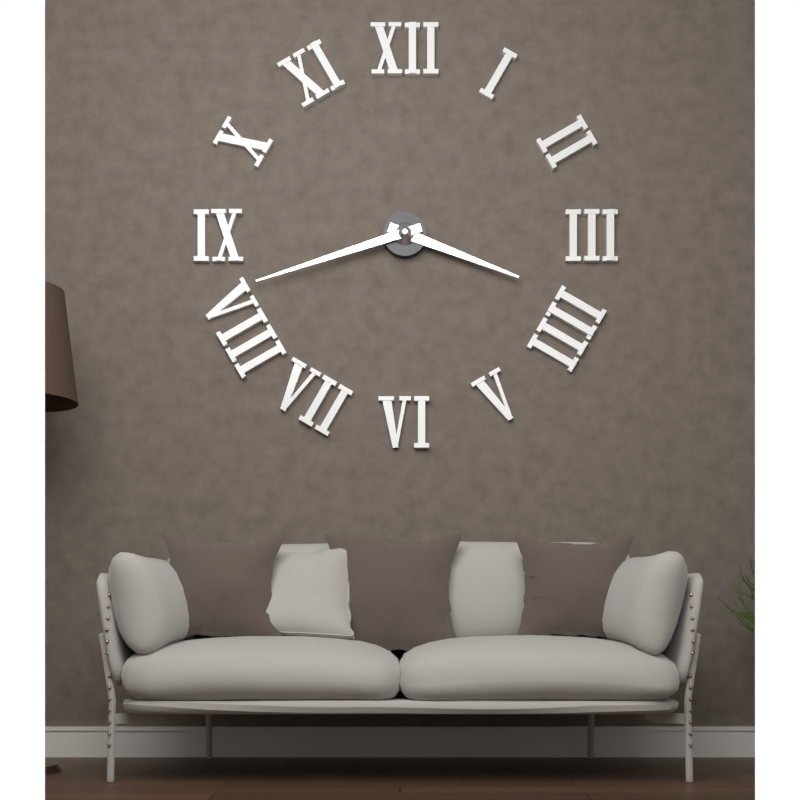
h=3 m=42
